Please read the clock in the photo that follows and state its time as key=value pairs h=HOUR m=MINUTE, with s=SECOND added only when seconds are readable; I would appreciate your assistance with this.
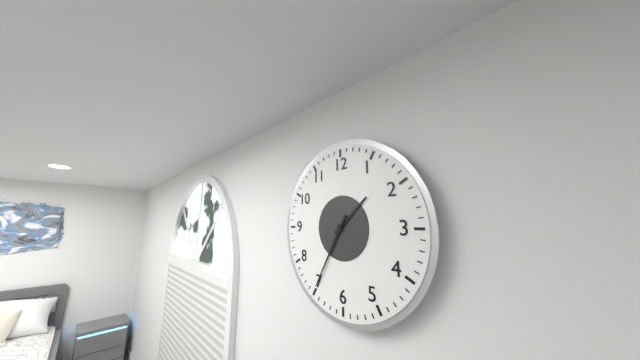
h=1 m=35
